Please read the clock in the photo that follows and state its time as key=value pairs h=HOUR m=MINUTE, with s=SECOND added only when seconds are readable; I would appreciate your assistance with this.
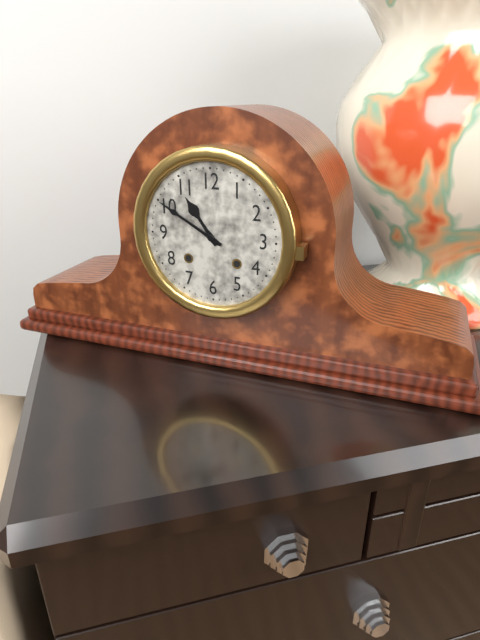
h=10 m=50
